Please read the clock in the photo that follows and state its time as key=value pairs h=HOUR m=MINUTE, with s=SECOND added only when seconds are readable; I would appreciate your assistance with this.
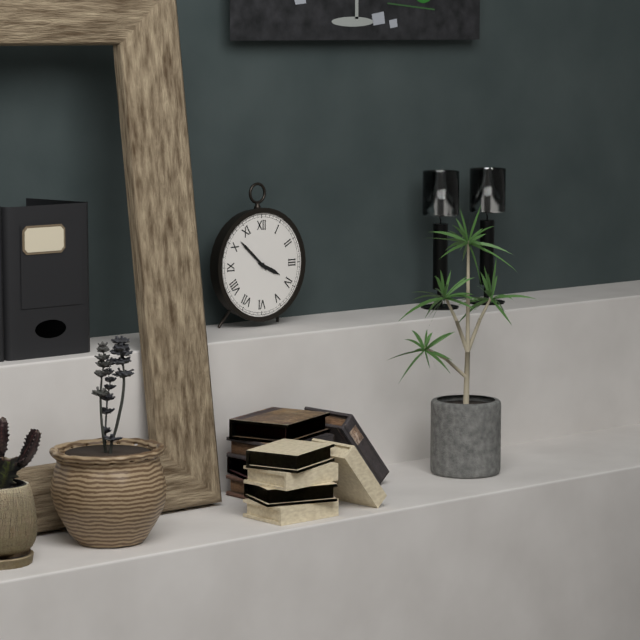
h=3 m=52
